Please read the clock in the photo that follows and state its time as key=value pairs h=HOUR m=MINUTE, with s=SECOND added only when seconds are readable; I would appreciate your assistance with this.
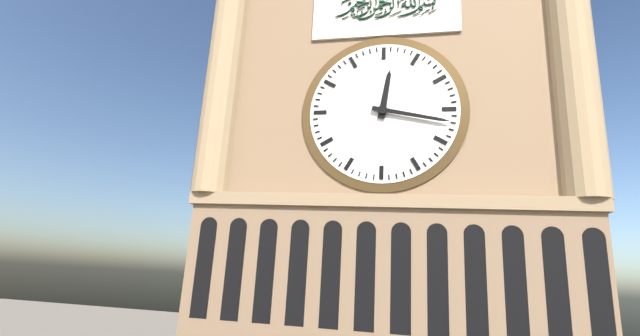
h=12 m=17
